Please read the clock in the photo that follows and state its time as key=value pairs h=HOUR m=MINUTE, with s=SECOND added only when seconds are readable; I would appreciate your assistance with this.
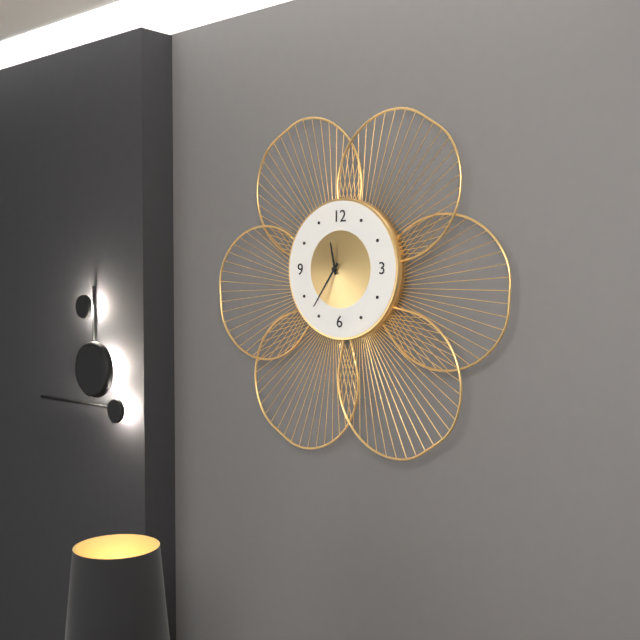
h=11 m=36
